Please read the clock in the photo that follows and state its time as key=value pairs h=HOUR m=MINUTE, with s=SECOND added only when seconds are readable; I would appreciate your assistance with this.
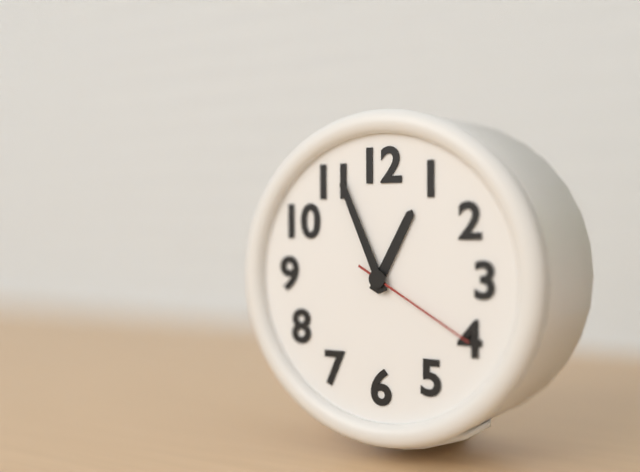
h=12 m=56 s=20
